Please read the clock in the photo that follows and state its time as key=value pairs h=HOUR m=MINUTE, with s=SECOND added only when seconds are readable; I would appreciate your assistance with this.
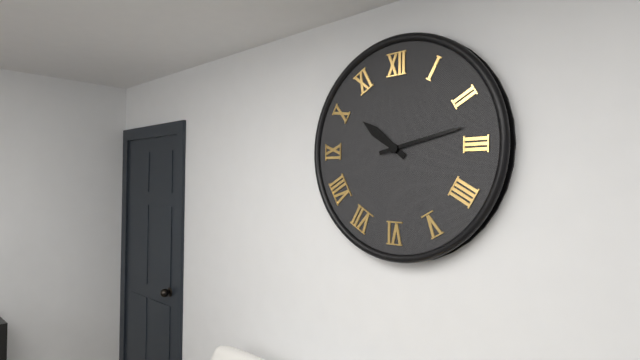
h=10 m=13
